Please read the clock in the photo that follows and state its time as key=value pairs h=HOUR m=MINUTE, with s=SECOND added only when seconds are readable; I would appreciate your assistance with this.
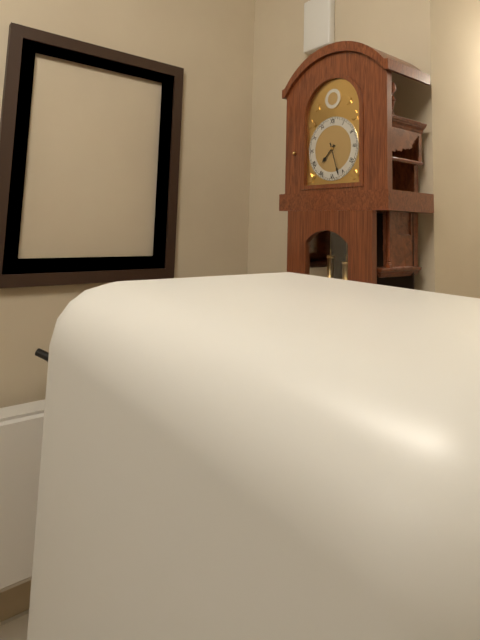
h=7 m=27
